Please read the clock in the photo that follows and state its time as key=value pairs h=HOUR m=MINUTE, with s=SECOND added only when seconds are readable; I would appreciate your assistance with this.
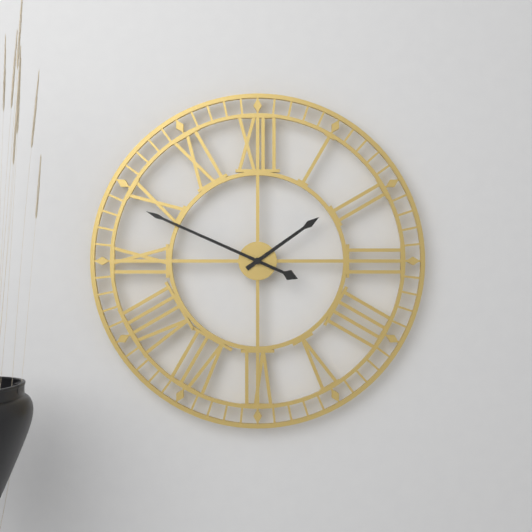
h=1 m=49
